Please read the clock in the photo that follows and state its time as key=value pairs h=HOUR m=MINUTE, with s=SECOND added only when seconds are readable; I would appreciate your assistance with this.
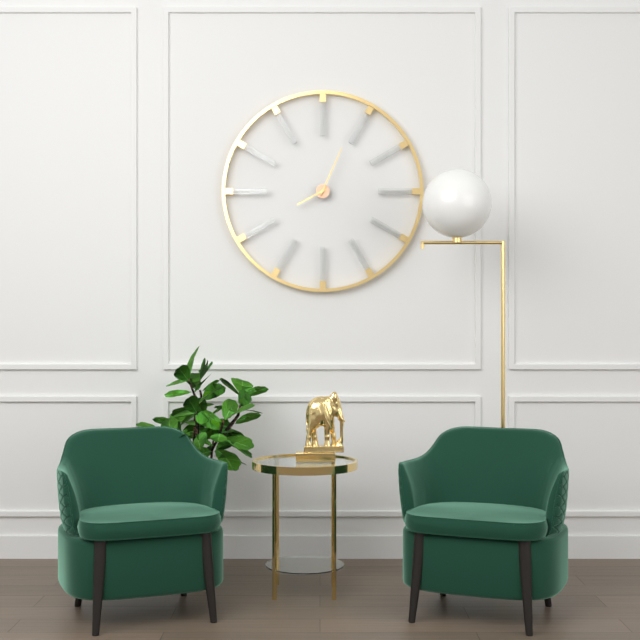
h=8 m=4
